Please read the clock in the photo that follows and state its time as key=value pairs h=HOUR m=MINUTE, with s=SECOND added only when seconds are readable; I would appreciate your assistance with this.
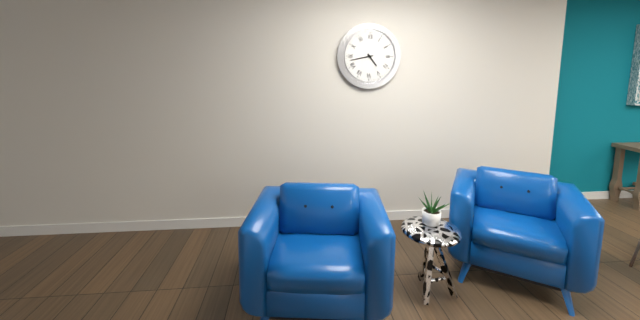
h=4 m=43
